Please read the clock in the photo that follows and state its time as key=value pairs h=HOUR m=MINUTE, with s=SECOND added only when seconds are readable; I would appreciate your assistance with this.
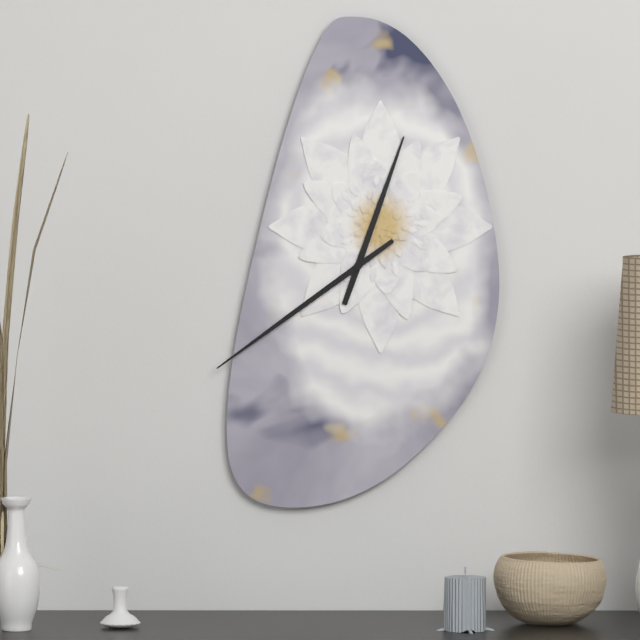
h=12 m=39
